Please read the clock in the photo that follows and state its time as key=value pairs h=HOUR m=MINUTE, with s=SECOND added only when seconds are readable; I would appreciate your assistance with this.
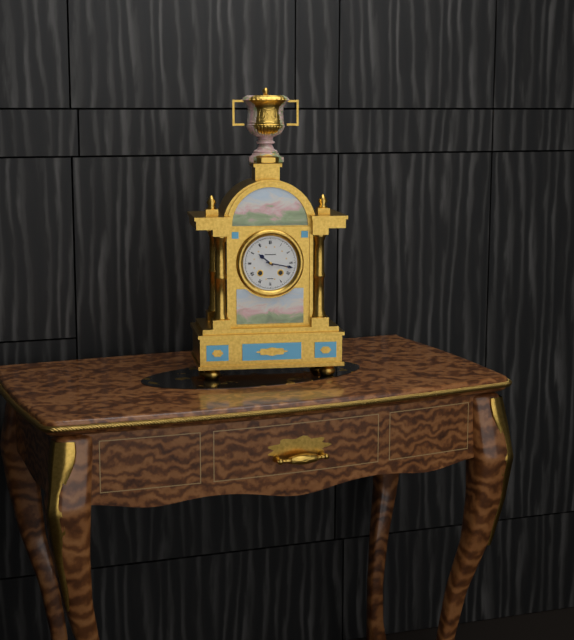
h=10 m=17
